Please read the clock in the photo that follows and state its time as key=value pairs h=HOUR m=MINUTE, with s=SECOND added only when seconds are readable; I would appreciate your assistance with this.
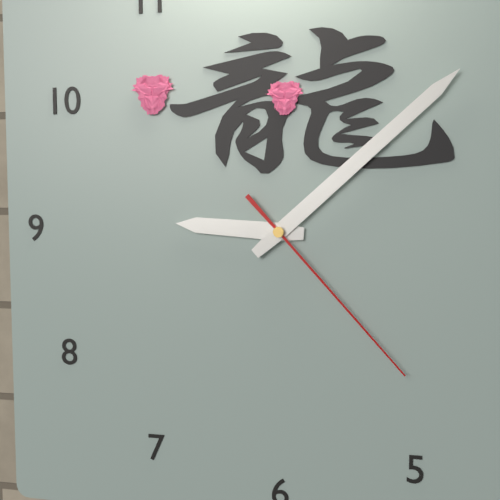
h=9 m=8 s=23
